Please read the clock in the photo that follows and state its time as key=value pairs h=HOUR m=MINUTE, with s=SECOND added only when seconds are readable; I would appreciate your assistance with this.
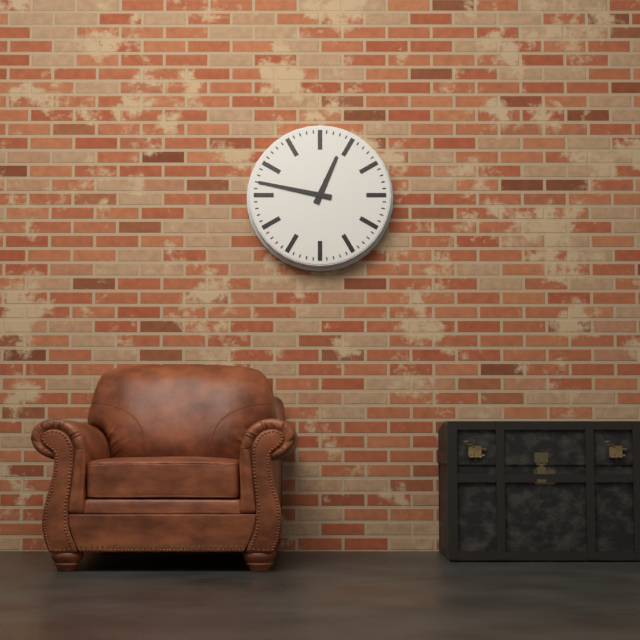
h=12 m=47
